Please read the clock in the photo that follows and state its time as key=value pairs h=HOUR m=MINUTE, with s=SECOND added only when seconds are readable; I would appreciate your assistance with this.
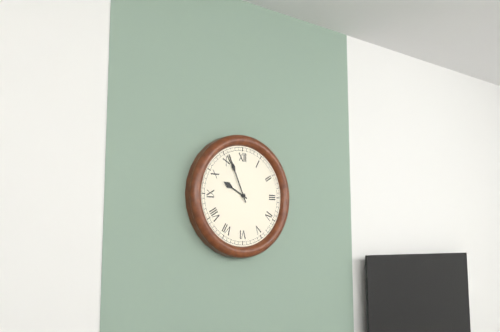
h=9 m=56
